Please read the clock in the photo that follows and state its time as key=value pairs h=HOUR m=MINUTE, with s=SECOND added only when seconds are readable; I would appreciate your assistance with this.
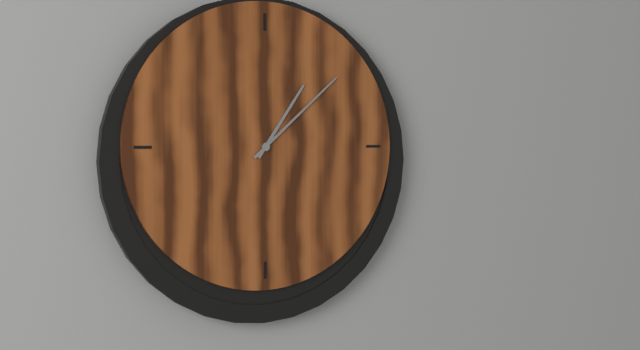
h=1 m=8
